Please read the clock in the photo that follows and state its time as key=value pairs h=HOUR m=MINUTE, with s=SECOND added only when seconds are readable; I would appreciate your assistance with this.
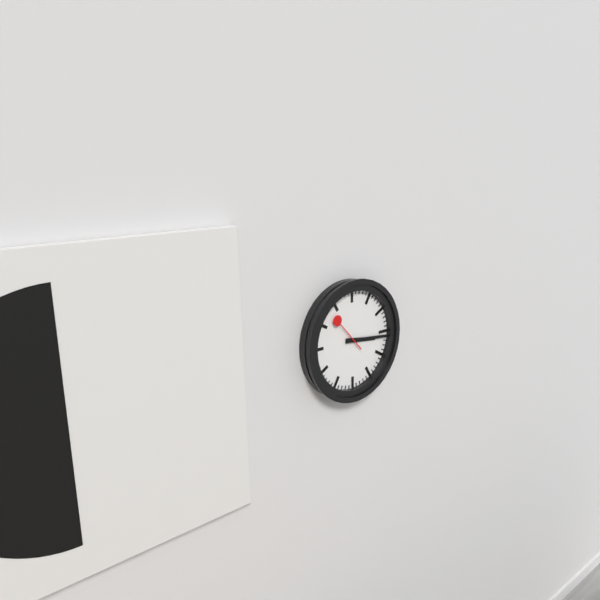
h=3 m=16
